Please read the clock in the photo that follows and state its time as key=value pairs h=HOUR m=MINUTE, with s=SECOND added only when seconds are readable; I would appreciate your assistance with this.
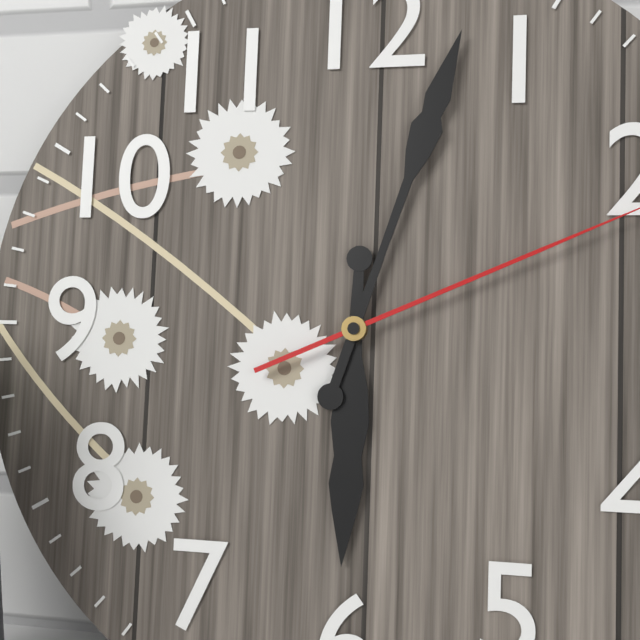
h=6 m=3
